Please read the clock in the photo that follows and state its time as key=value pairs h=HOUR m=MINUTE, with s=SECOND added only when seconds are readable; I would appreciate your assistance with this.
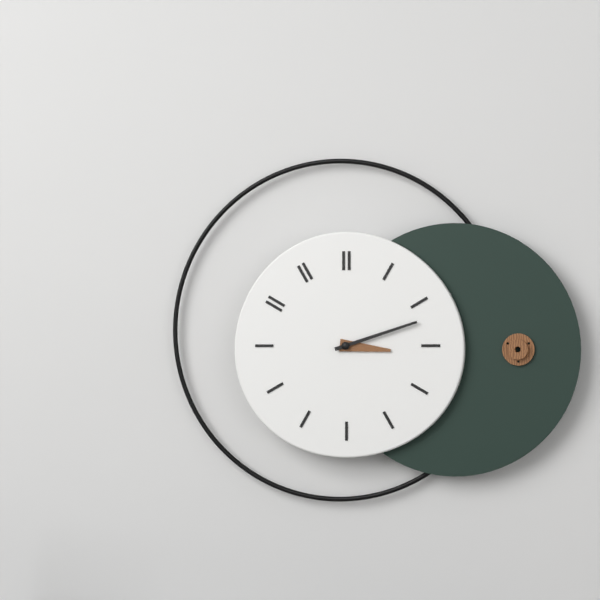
h=3 m=12
